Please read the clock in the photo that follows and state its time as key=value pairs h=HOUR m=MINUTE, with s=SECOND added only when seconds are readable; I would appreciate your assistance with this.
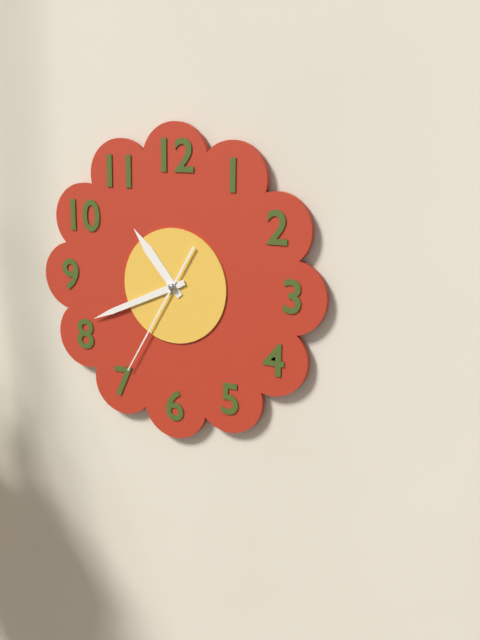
h=10 m=41 s=35
